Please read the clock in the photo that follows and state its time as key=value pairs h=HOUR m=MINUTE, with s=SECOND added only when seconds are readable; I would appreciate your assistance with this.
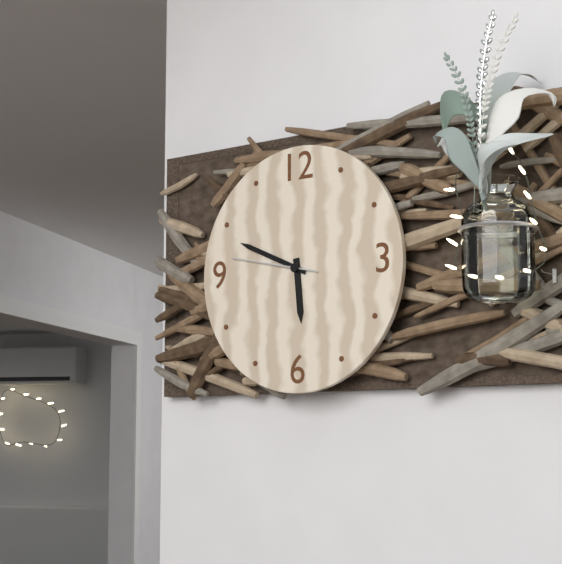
h=5 m=49 s=47
